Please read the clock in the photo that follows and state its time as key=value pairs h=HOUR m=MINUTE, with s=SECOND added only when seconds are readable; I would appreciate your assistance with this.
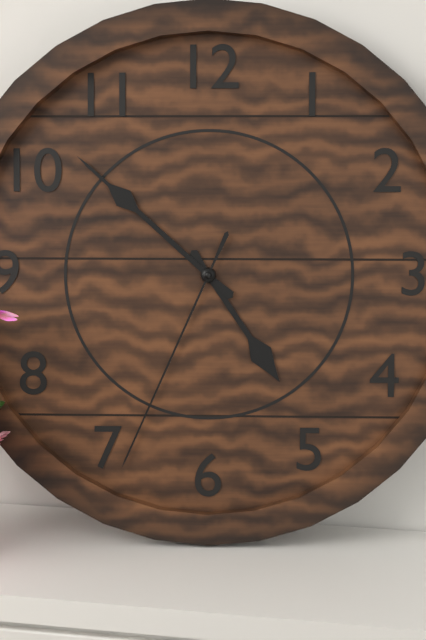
h=4 m=52 s=34
